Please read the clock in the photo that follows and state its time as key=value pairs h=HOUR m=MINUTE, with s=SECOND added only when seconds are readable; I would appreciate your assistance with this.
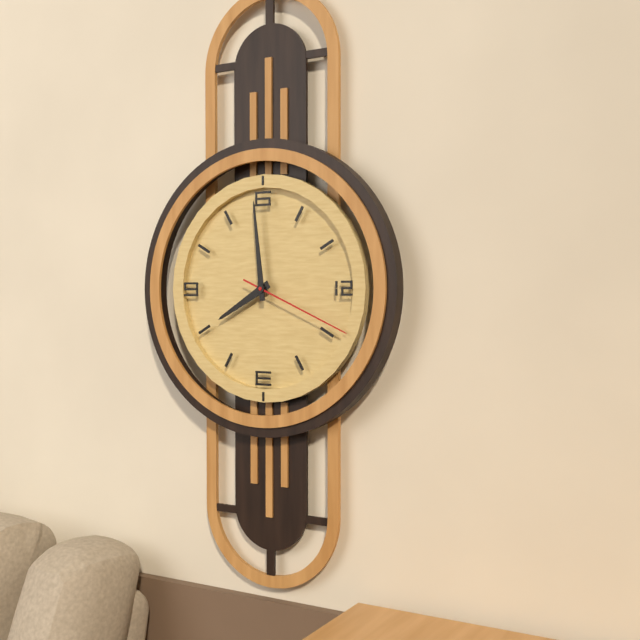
h=7 m=59 s=19
